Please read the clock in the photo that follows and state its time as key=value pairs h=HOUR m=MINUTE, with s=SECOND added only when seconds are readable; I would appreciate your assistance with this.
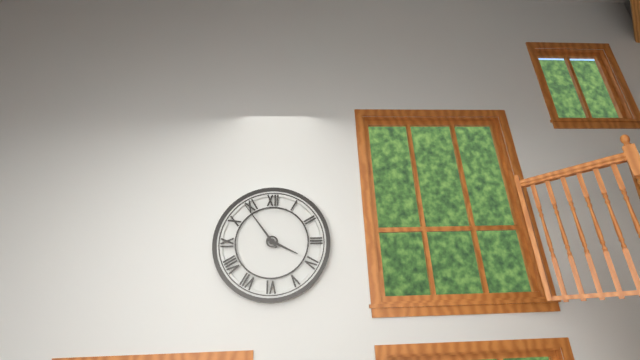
h=3 m=54
